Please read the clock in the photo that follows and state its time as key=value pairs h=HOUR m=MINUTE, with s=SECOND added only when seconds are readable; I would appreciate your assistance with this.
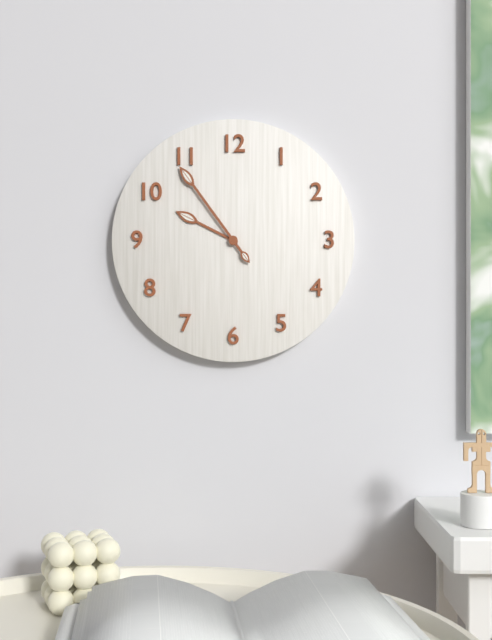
h=9 m=54
